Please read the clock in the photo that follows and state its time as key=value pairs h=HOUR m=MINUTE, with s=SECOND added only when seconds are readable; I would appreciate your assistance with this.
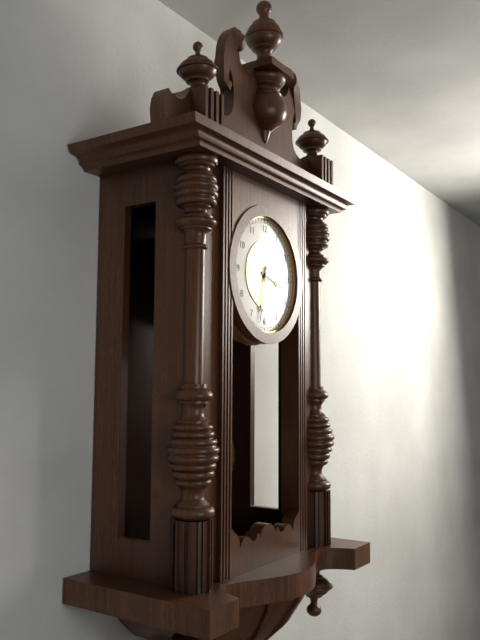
h=3 m=32
